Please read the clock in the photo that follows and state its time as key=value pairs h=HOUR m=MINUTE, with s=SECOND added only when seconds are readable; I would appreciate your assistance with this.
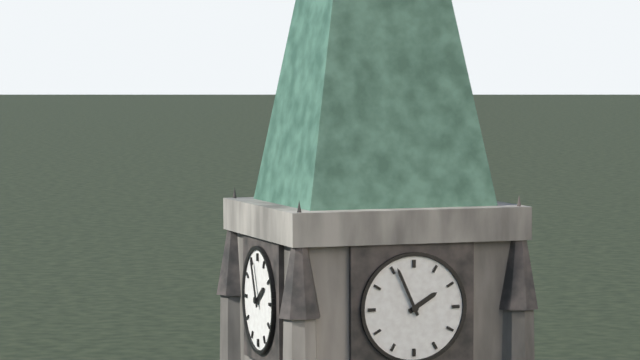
h=1 m=56
